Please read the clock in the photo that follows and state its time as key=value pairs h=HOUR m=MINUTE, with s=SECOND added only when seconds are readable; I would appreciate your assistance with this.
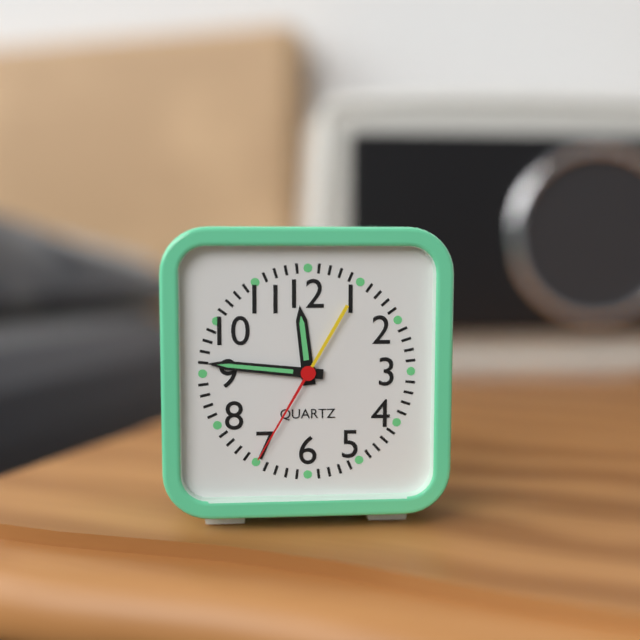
h=11 m=46 s=35
